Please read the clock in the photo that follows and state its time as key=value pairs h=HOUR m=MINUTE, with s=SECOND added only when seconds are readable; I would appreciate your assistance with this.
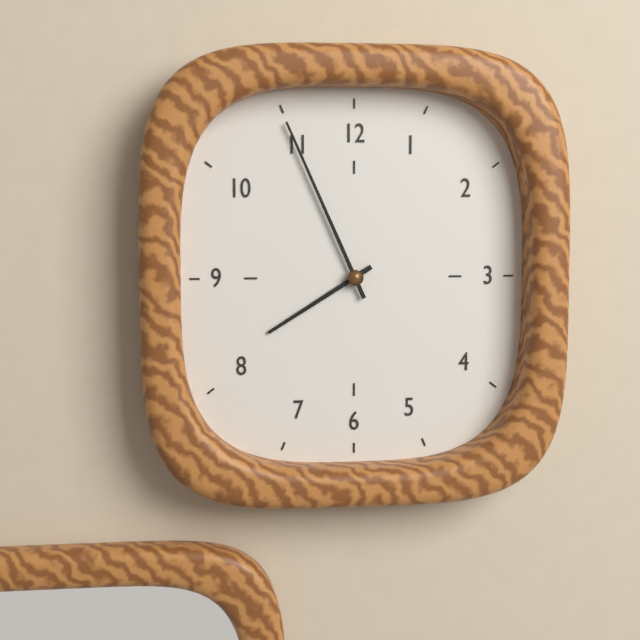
h=7 m=56
